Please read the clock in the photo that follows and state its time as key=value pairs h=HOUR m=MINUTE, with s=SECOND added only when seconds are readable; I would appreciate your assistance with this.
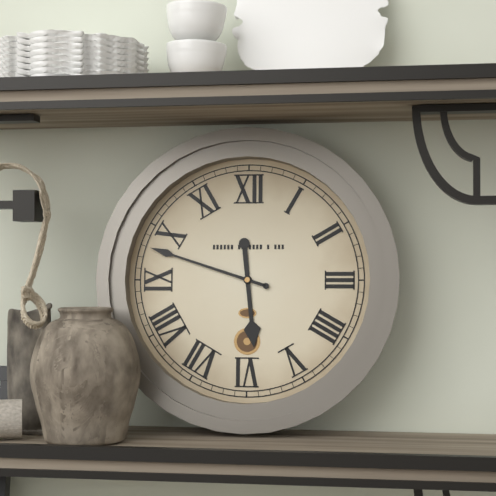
h=5 m=48
